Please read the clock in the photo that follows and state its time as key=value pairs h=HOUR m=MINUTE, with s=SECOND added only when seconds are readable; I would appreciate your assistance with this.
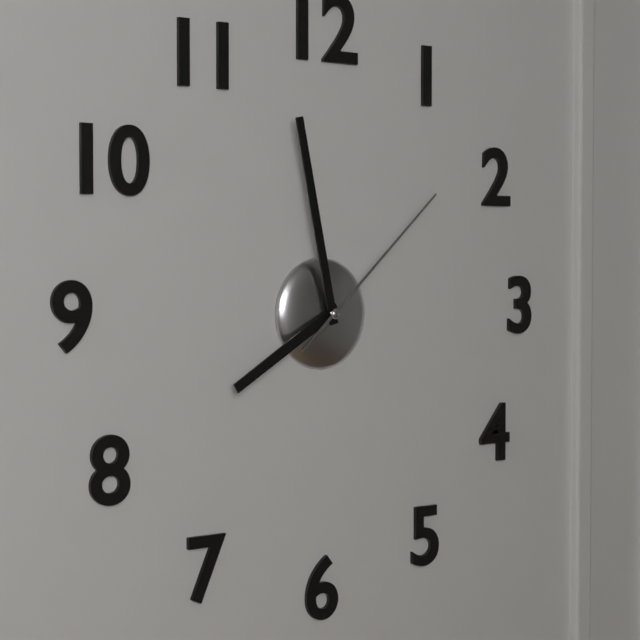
h=7 m=58 s=8
